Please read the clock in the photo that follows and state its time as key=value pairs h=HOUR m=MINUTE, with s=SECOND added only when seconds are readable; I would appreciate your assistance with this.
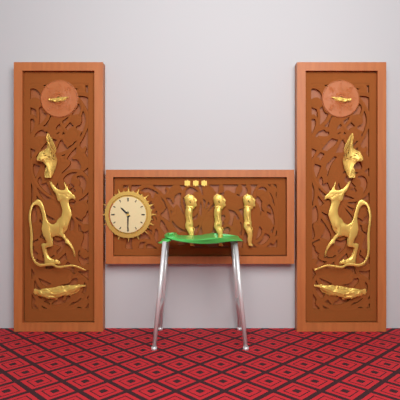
h=10 m=30
